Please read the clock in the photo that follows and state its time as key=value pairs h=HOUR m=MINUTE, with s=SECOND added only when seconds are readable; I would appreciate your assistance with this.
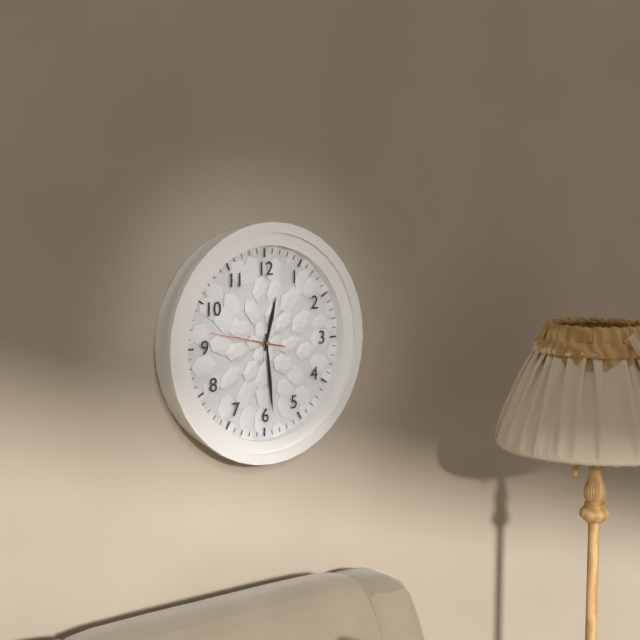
h=12 m=29 s=47
